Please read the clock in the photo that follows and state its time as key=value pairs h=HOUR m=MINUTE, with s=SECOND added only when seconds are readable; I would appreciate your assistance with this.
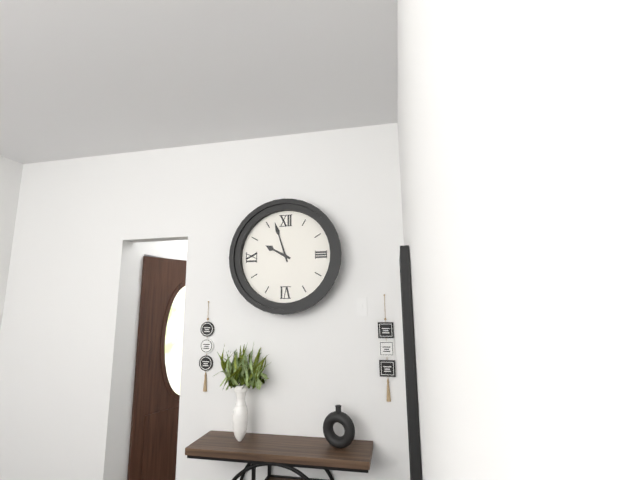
h=9 m=57
